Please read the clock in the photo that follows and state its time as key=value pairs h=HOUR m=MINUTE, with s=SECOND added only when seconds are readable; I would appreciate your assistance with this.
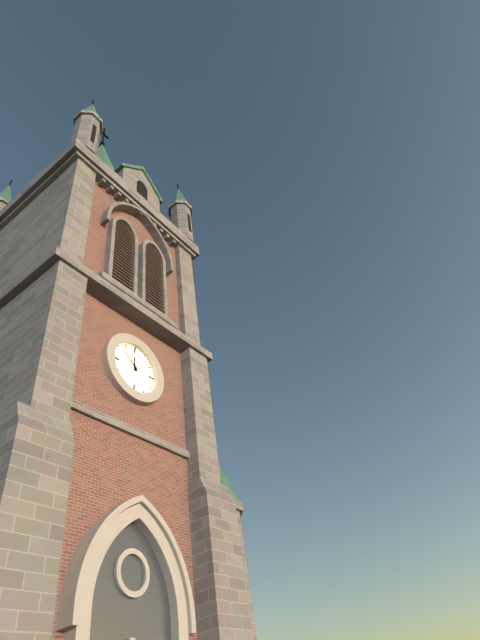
h=11 m=52
